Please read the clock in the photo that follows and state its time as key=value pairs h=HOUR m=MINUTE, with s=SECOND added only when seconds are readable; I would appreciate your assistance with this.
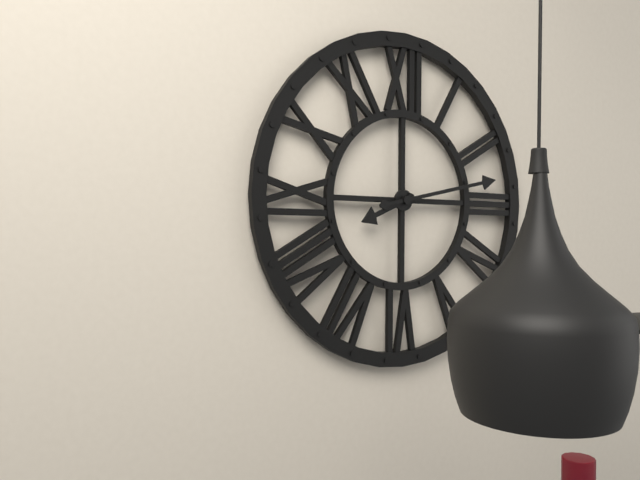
h=8 m=13
